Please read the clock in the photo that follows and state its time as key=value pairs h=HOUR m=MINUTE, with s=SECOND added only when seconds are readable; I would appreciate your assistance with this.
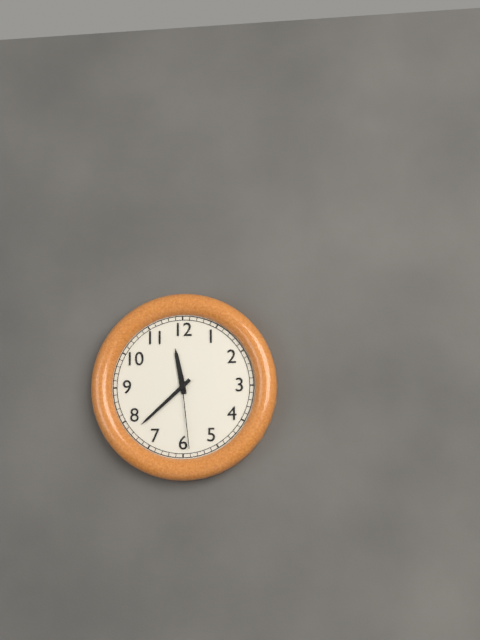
h=11 m=38 s=29
